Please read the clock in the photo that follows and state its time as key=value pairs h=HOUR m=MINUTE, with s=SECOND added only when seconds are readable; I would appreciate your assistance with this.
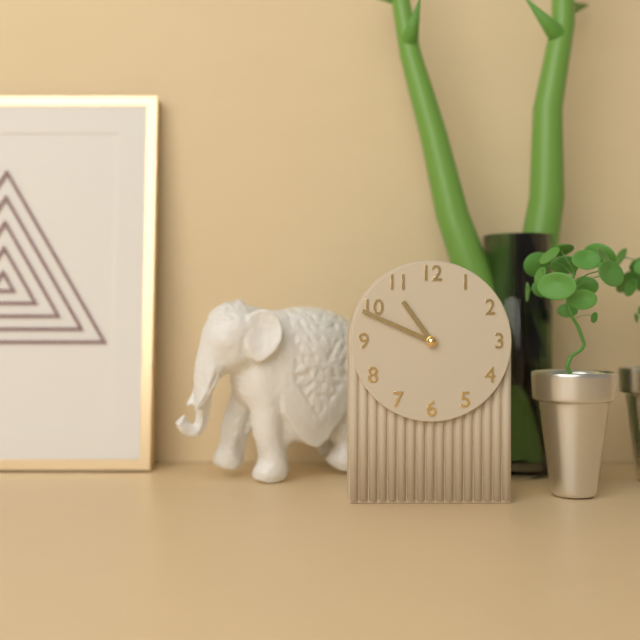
h=10 m=49
